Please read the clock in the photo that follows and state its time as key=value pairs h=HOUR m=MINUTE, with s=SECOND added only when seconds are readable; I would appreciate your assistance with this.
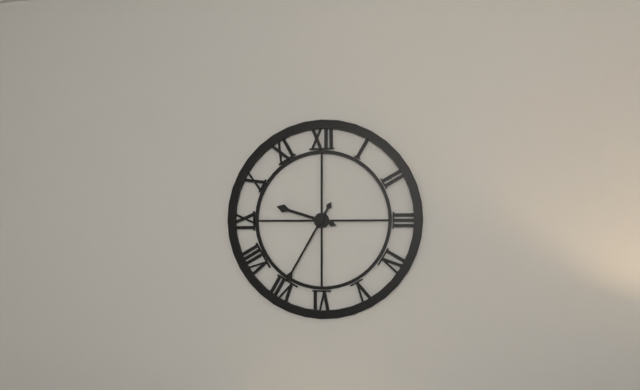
h=9 m=35
